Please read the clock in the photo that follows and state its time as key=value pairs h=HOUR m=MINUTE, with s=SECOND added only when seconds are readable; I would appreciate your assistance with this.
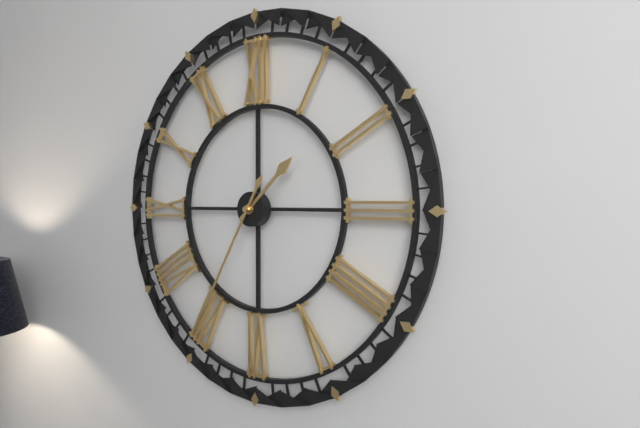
h=1 m=35
